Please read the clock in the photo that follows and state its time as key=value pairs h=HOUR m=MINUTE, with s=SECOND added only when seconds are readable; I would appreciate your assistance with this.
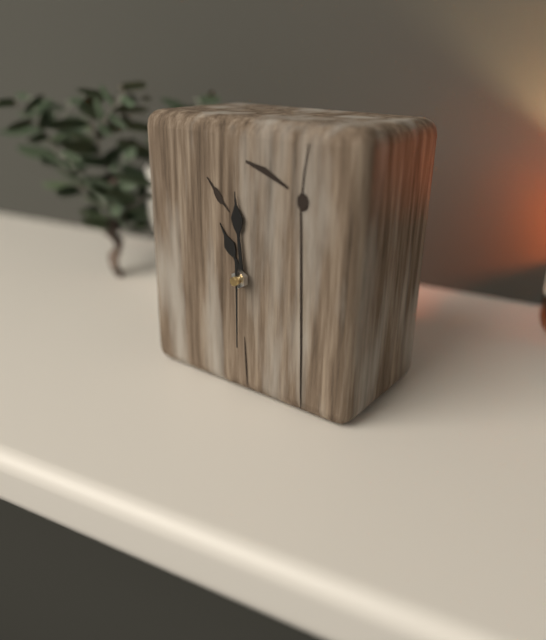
h=10 m=59 s=30
